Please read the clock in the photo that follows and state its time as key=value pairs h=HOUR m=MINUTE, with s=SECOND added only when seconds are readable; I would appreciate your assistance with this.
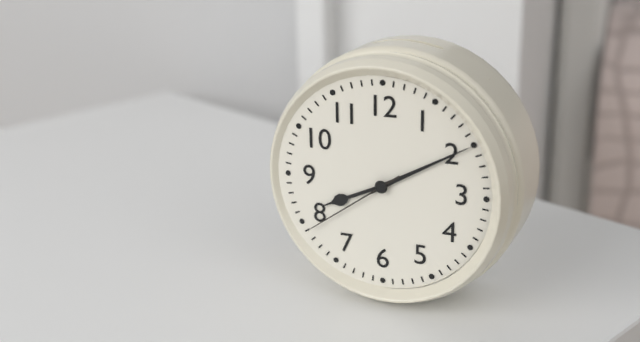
h=8 m=10 s=39
